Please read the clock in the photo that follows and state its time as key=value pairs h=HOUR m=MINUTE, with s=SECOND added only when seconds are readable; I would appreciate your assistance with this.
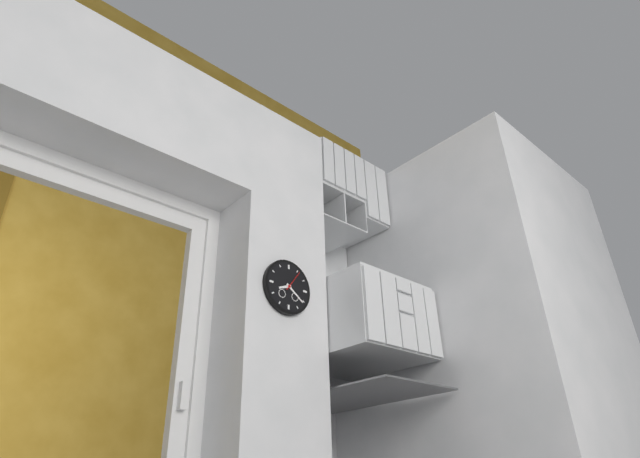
h=8 m=21
